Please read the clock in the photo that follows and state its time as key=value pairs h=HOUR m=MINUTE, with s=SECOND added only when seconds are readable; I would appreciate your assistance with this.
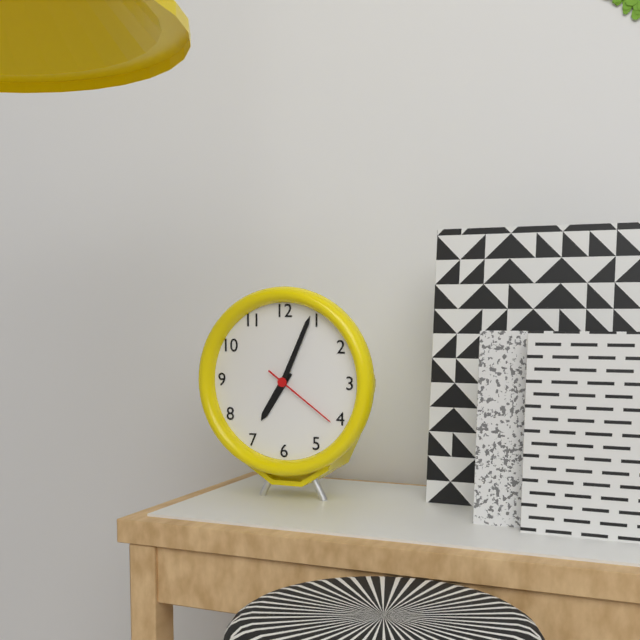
h=7 m=4 s=21
